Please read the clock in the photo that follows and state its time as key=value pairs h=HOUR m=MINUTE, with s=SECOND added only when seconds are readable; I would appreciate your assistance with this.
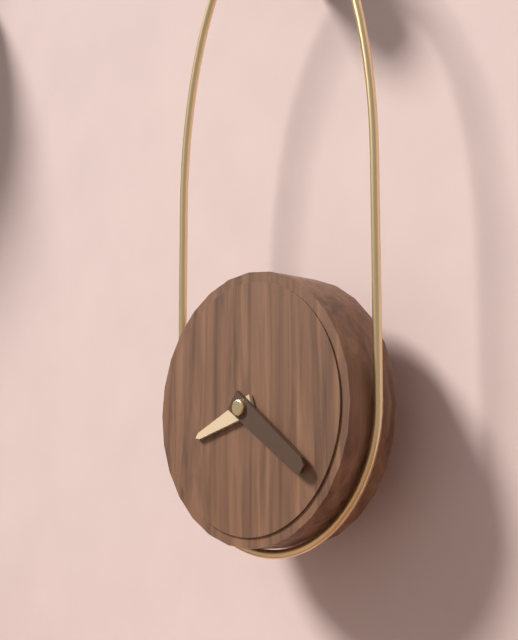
h=8 m=21
